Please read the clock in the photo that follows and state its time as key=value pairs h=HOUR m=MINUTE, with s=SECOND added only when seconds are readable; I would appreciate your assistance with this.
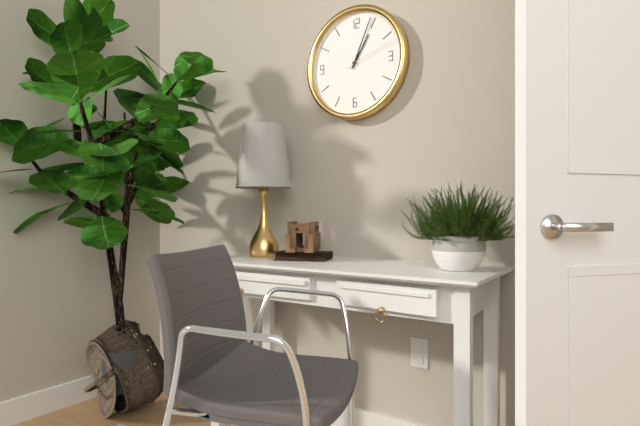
h=1 m=4 s=12
